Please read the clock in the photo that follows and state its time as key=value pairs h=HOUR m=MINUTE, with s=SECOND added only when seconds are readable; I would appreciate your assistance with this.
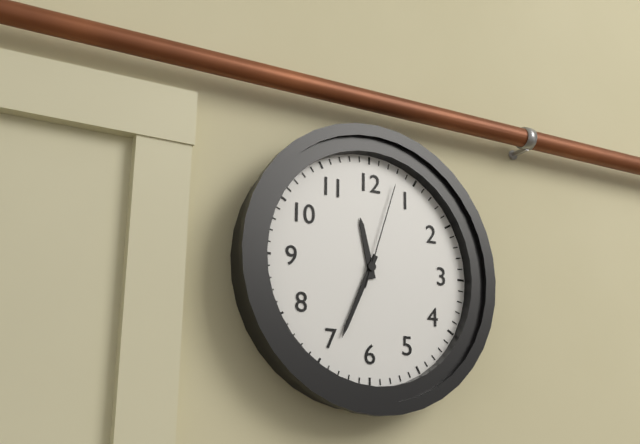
h=11 m=34 s=3
